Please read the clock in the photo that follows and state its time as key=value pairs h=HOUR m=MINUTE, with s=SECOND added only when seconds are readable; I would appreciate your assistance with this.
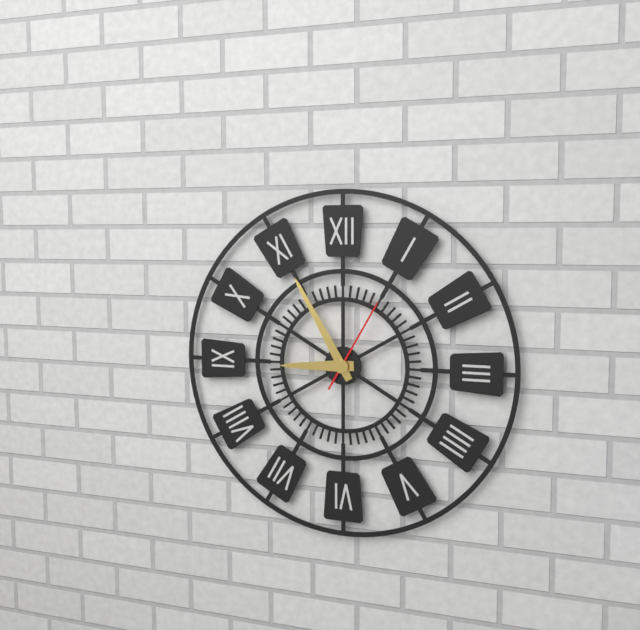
h=8 m=55 s=5
